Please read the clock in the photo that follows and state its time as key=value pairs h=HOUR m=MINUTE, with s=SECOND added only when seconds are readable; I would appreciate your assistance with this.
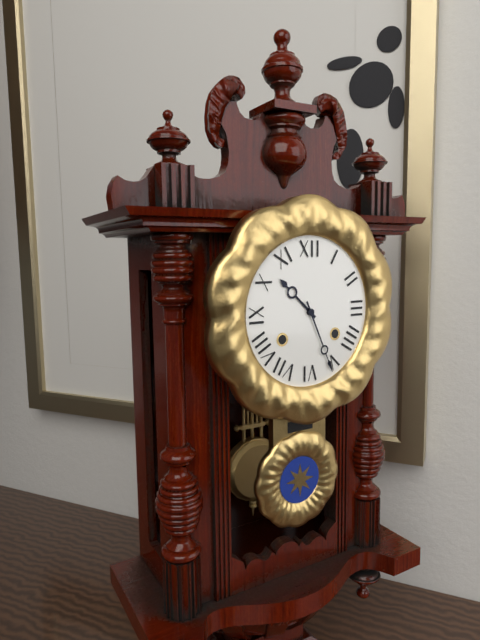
h=10 m=26
